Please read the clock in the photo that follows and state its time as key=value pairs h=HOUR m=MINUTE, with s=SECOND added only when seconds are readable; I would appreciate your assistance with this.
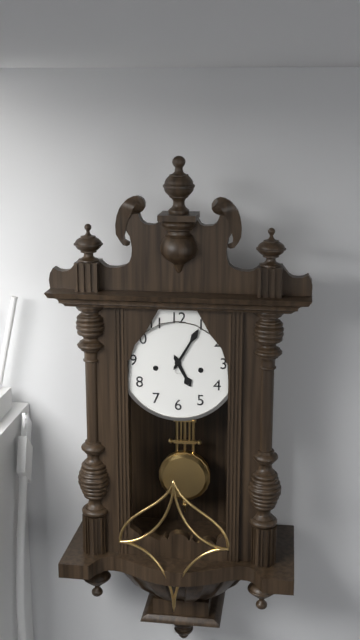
h=5 m=5
